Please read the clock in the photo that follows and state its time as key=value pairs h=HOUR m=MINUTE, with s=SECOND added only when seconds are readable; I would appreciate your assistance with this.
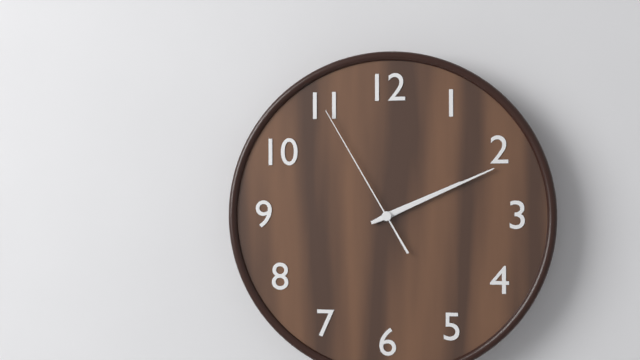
h=2 m=11 s=55
